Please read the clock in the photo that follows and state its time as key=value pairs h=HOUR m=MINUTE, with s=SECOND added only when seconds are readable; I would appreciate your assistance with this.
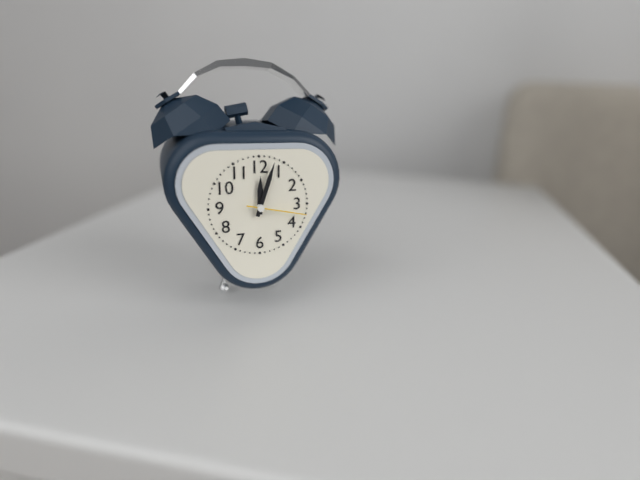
h=12 m=3 s=17
